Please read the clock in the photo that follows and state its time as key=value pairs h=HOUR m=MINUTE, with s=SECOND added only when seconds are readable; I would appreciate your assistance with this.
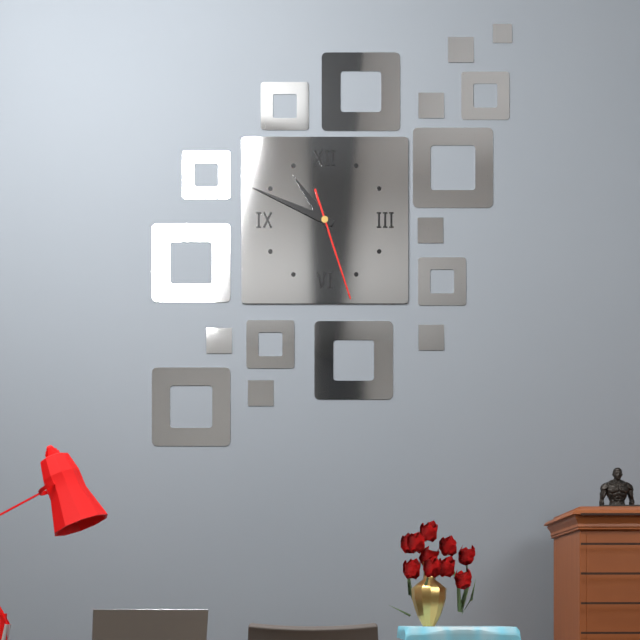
h=10 m=49 s=27
